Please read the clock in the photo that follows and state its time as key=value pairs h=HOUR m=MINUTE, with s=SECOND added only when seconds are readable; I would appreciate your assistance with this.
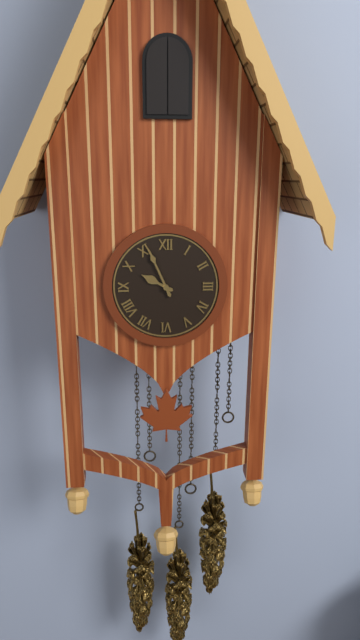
h=9 m=56
